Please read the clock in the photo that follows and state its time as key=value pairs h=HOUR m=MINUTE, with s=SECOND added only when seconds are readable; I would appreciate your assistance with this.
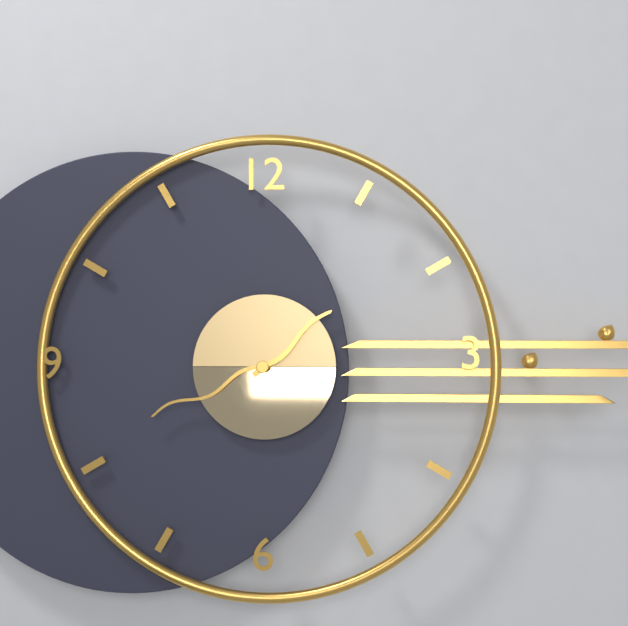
h=1 m=41
